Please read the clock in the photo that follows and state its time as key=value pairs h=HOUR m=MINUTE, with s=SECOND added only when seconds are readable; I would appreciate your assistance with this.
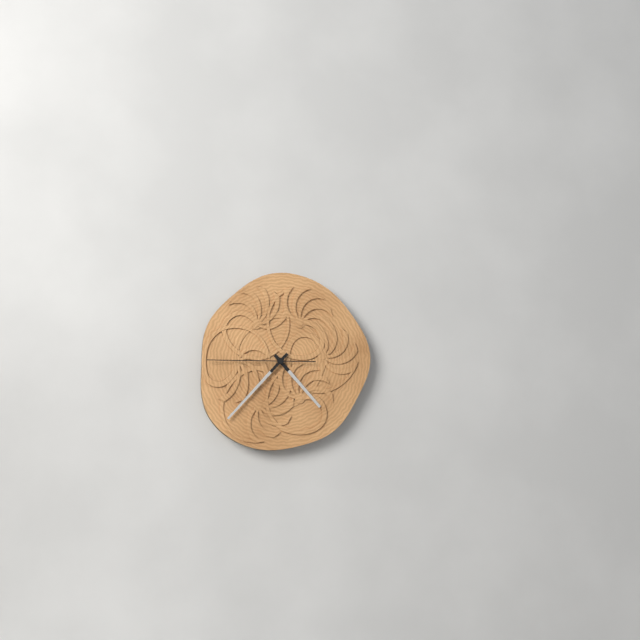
h=4 m=37 s=45
